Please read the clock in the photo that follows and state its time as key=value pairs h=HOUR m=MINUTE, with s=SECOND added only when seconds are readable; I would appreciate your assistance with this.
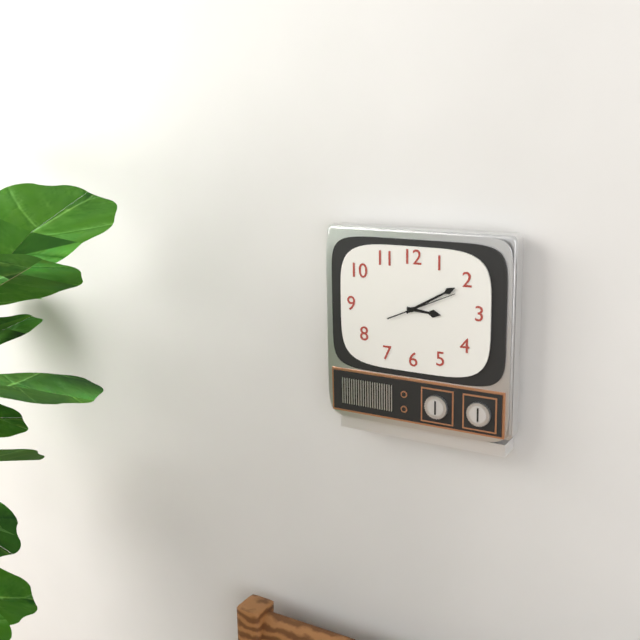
h=3 m=10 s=11
